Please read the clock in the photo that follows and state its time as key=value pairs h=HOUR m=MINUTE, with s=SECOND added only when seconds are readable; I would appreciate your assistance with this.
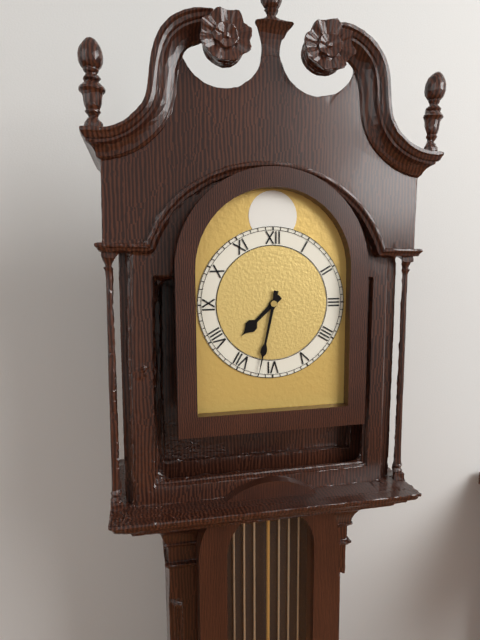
h=7 m=32
